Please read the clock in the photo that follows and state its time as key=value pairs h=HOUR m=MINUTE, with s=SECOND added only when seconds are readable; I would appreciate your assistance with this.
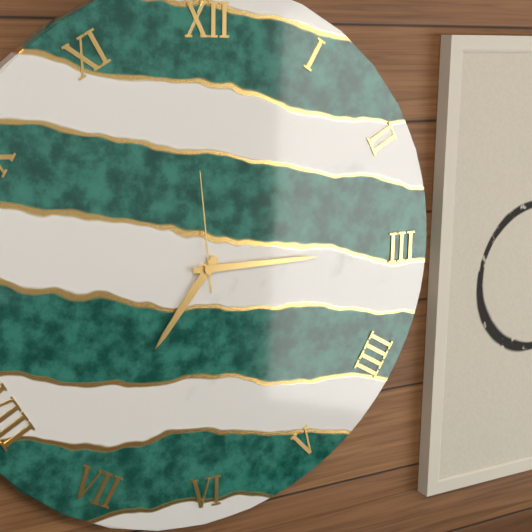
h=7 m=15 s=59
